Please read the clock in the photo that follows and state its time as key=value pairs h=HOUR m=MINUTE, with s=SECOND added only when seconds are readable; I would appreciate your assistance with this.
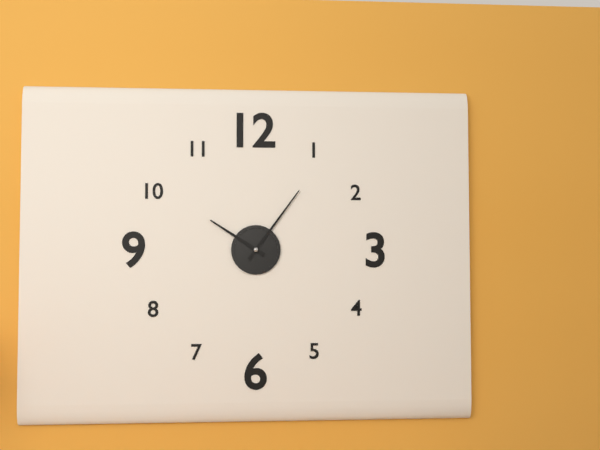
h=10 m=6
